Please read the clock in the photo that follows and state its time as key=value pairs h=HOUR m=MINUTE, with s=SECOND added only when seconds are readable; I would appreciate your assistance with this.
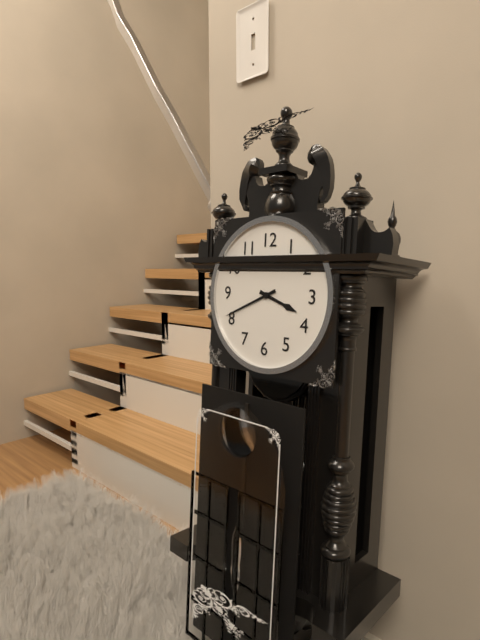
h=3 m=41
